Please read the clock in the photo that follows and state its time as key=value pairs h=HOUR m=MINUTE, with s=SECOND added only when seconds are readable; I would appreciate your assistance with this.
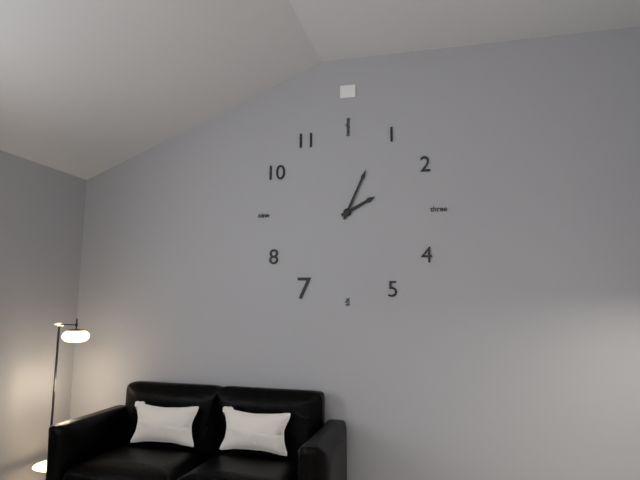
h=2 m=4
